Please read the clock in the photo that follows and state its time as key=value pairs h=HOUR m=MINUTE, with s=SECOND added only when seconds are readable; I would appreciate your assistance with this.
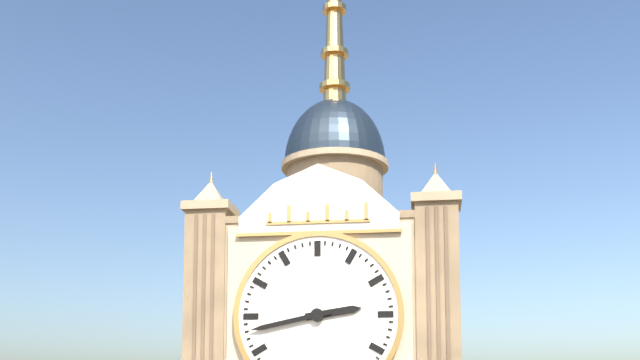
h=2 m=43
